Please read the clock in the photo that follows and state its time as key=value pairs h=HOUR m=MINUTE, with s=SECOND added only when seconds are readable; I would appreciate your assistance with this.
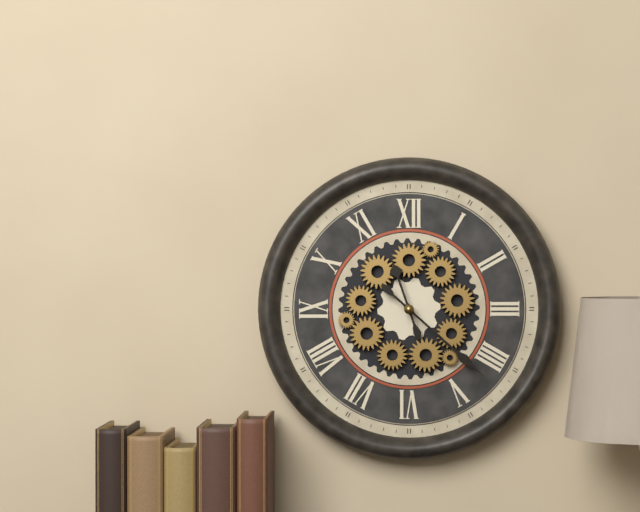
h=11 m=22
